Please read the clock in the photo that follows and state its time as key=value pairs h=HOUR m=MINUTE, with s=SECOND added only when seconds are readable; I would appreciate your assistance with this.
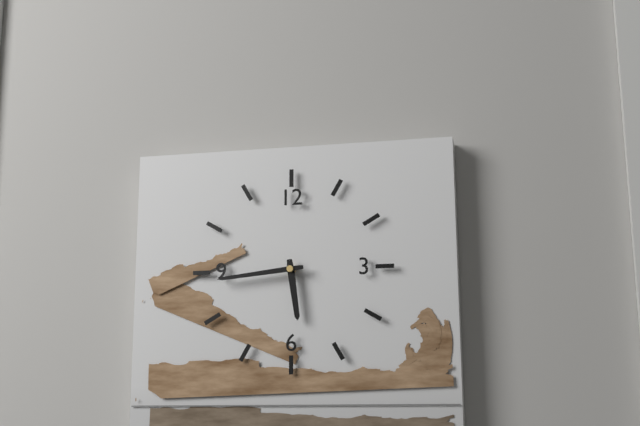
h=5 m=44
